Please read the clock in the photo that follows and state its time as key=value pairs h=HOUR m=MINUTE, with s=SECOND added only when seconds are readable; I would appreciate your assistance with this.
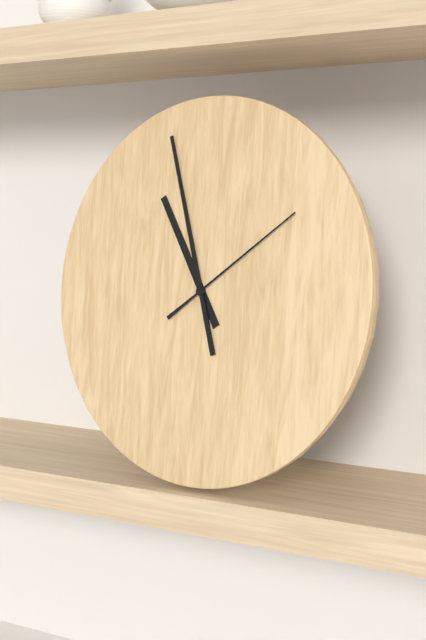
h=10 m=57 s=9
